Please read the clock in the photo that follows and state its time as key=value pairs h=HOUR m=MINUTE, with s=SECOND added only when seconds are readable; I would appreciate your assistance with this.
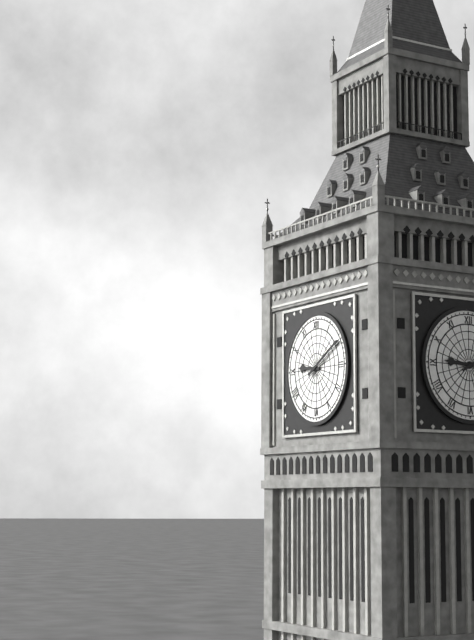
h=9 m=10
